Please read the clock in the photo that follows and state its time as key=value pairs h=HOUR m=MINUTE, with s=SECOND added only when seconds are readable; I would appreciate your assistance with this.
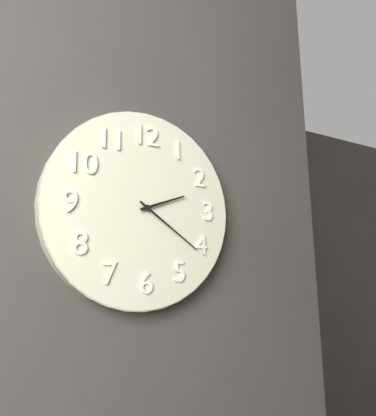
h=2 m=21
